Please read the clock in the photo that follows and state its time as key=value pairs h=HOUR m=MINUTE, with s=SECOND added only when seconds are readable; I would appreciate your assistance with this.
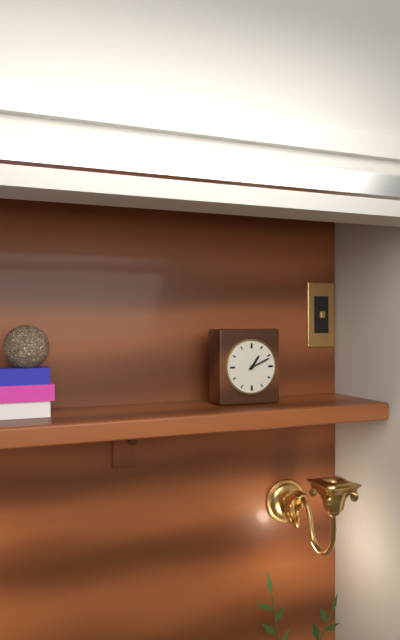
h=1 m=11
